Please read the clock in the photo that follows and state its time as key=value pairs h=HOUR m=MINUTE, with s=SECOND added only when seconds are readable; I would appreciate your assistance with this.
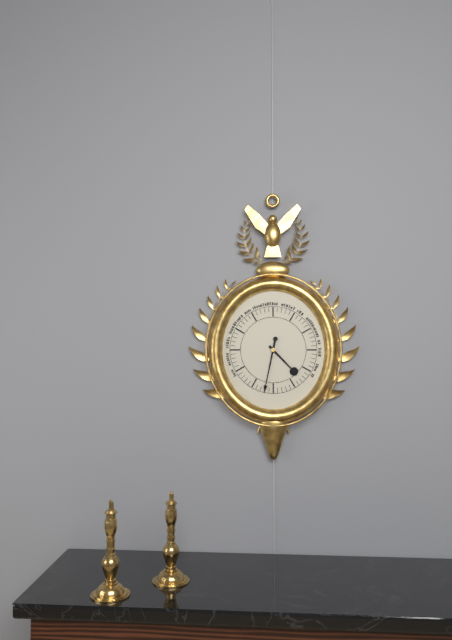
h=4 m=32
